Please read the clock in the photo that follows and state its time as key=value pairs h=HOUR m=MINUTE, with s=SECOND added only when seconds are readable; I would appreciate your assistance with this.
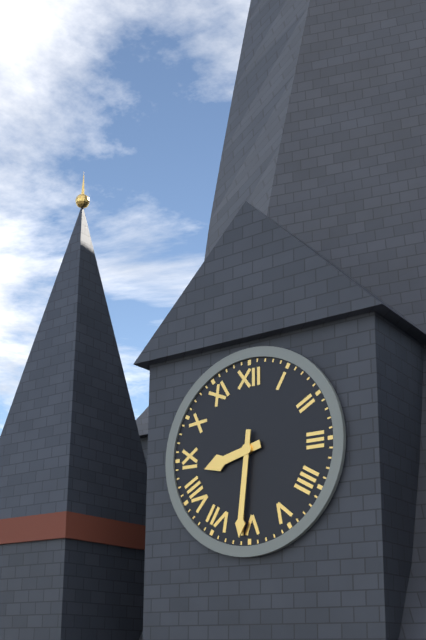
h=8 m=31
